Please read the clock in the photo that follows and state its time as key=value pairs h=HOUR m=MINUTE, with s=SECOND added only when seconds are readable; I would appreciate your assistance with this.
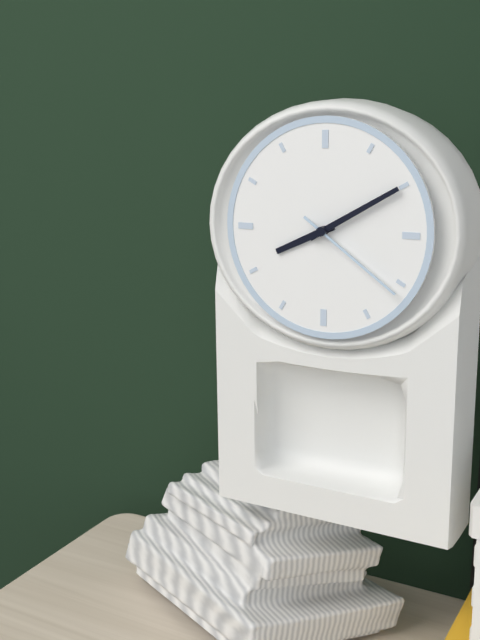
h=8 m=10 s=21
